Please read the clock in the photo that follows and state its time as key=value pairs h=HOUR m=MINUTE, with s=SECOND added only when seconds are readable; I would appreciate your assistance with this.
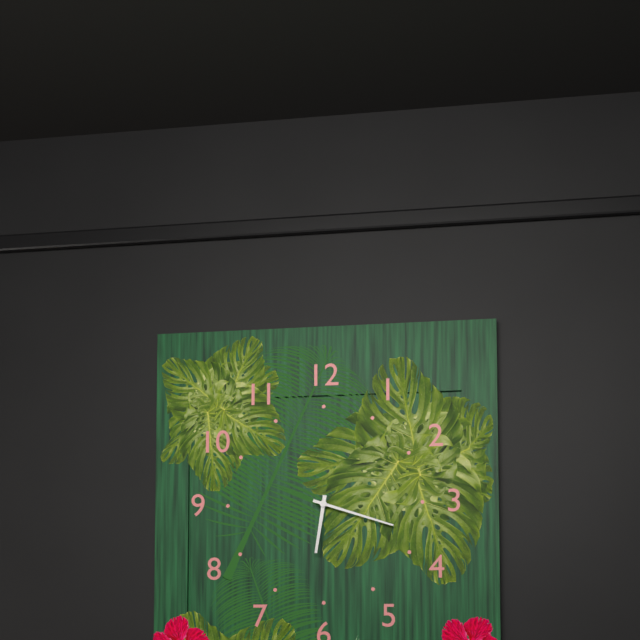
h=6 m=18
